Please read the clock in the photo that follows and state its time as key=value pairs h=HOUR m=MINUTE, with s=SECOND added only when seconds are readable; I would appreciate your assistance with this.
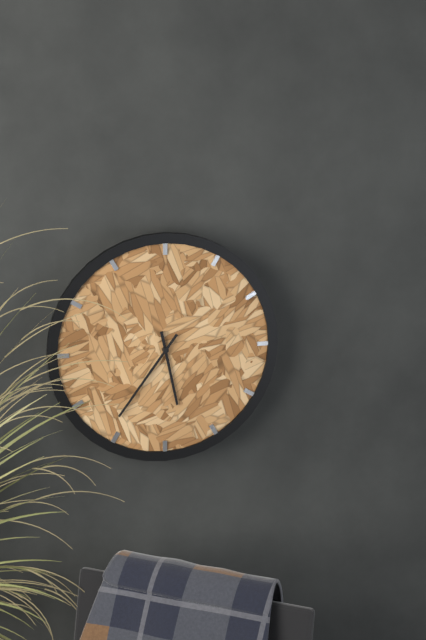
h=5 m=36
